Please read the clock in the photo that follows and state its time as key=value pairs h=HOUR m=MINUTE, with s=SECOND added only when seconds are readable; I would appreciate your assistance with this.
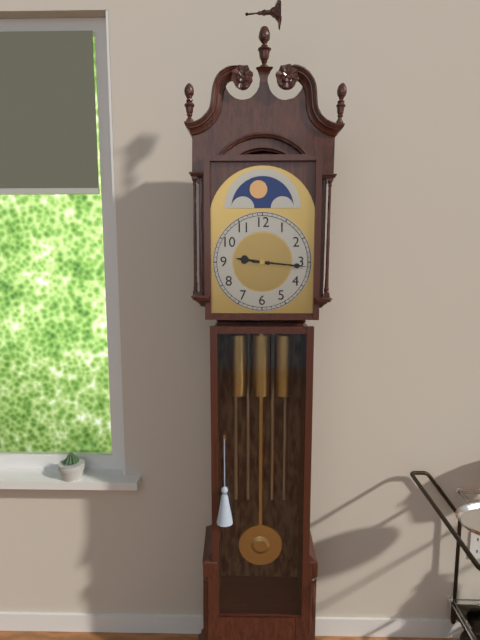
h=9 m=16
